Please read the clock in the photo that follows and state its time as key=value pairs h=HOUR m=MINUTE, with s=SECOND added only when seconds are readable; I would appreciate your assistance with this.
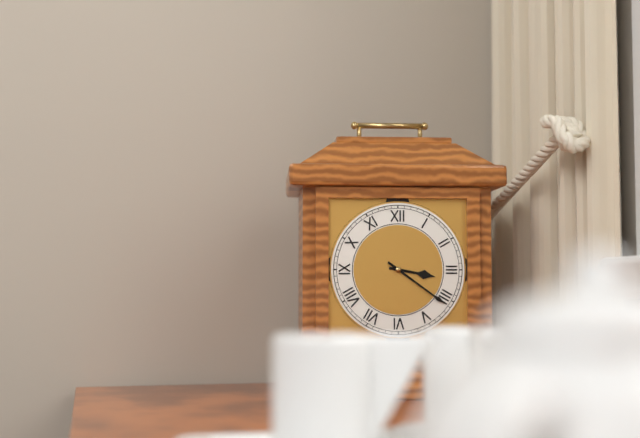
h=3 m=21
